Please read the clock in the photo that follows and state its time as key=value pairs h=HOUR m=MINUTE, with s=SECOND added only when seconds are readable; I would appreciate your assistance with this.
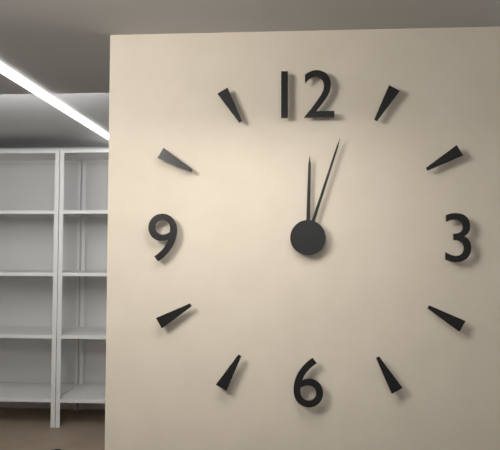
h=12 m=3
